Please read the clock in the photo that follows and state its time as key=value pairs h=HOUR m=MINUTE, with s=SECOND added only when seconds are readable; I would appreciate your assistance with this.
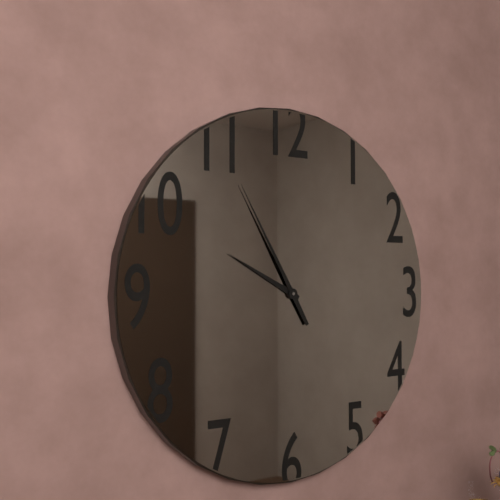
h=9 m=55
